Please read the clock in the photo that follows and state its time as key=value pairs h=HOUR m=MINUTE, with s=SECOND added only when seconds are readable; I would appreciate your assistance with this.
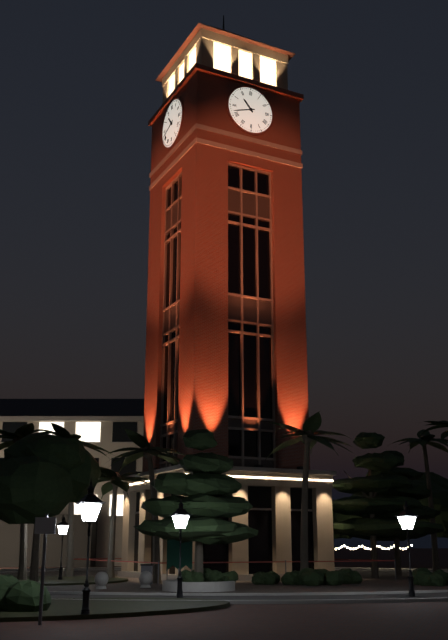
h=10 m=42
